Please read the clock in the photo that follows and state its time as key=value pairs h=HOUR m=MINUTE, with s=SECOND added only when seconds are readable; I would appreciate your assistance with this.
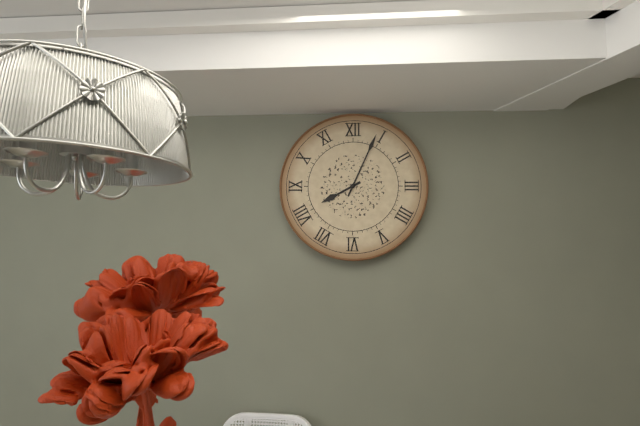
h=8 m=4
